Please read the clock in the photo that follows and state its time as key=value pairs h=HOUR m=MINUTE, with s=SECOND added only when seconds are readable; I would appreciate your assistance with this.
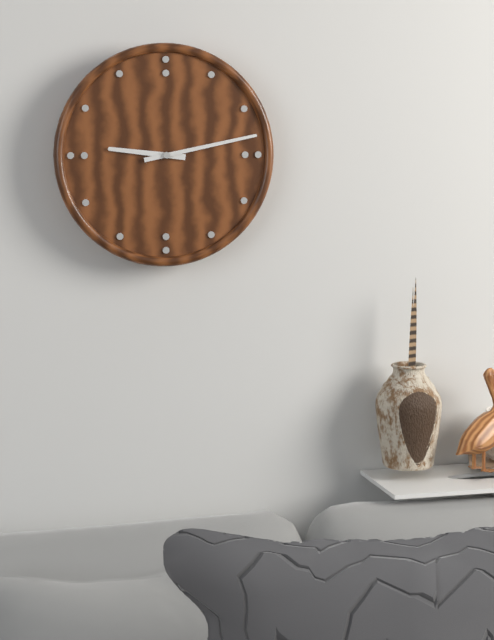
h=9 m=13
